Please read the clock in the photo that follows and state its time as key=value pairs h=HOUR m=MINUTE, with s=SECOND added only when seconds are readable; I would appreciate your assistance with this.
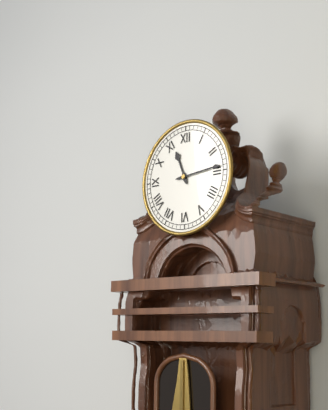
h=11 m=14
